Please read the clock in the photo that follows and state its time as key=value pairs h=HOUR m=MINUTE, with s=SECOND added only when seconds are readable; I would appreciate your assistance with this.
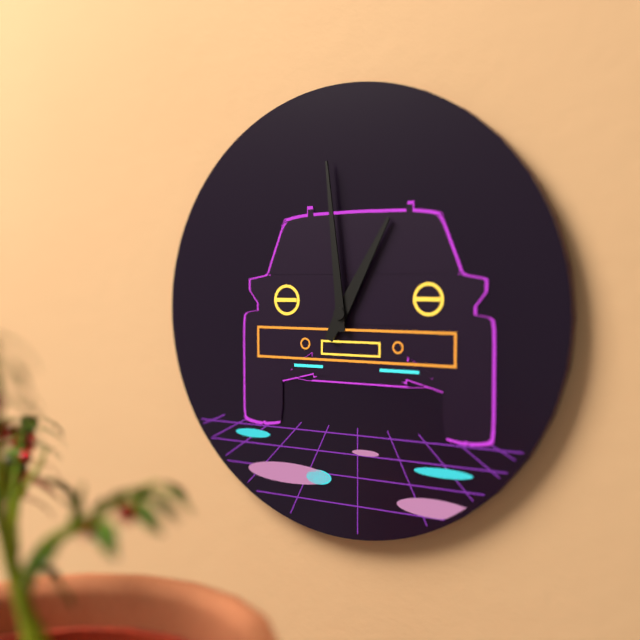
h=12 m=59
